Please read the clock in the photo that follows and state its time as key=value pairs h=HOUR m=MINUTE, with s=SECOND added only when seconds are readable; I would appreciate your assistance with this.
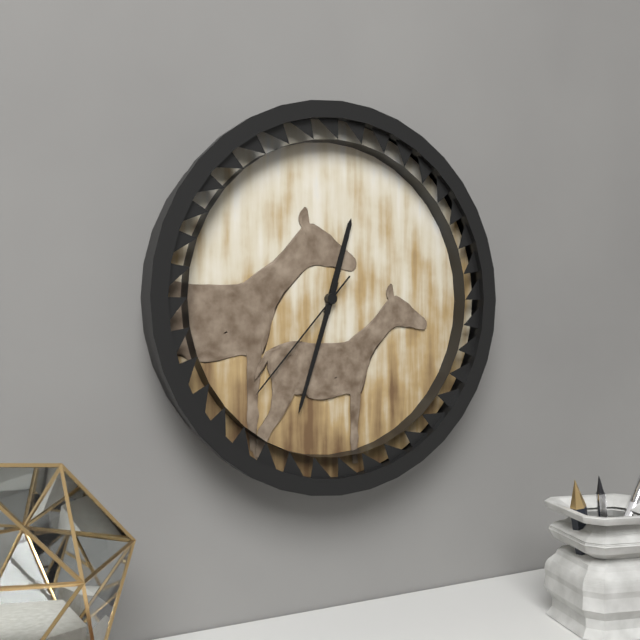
h=12 m=33 s=37
